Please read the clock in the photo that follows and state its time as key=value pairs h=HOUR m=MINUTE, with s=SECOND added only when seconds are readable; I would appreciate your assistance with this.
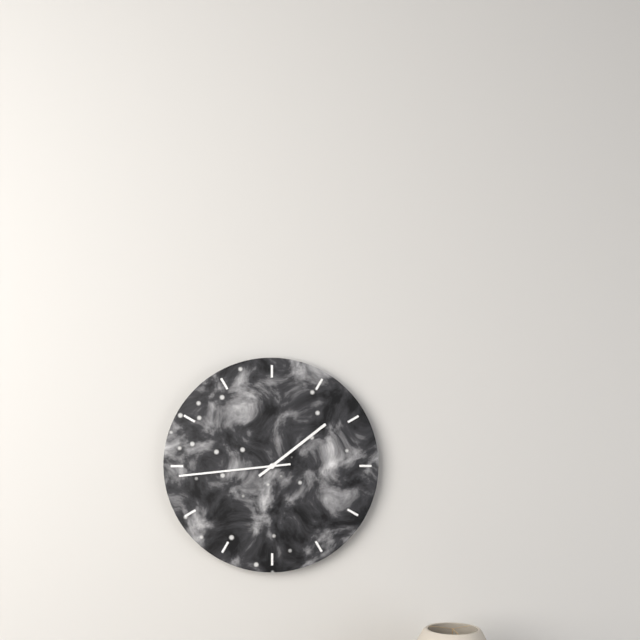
h=1 m=44
